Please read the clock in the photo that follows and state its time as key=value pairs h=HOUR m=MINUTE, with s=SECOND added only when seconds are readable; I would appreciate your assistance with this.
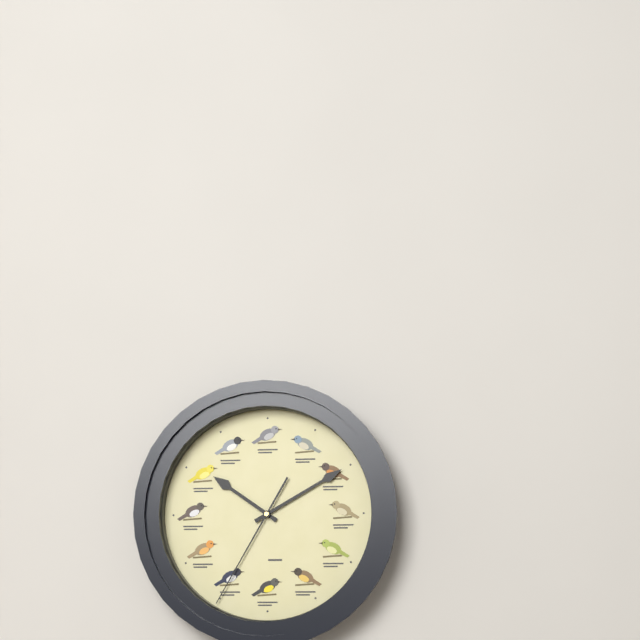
h=10 m=10 s=35
